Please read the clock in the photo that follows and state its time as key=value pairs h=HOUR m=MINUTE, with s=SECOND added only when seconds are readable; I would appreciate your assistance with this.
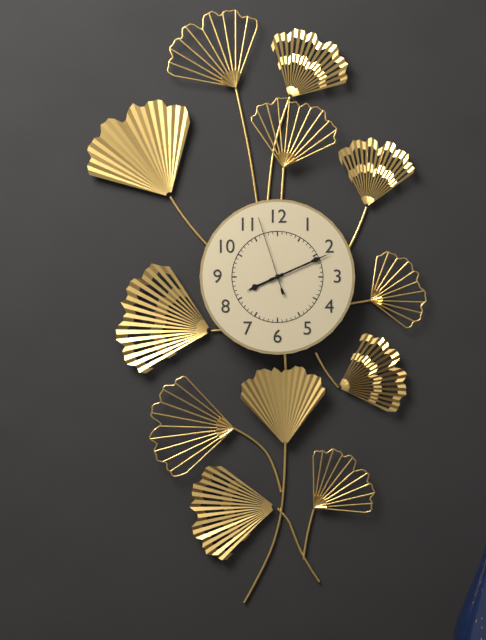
h=8 m=11 s=57
